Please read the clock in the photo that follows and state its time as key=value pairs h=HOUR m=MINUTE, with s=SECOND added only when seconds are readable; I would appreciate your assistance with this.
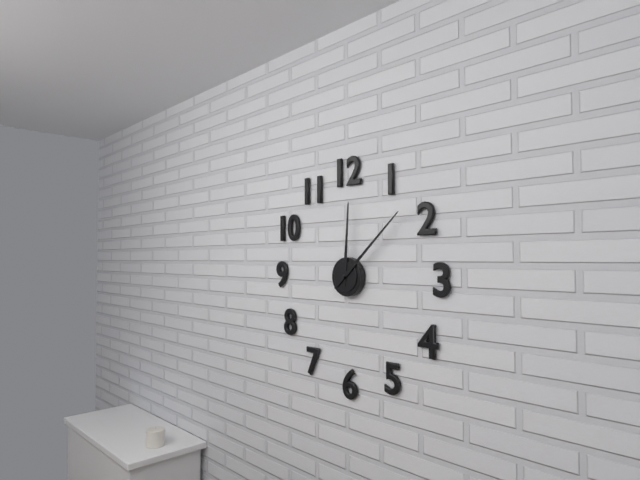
h=12 m=8
